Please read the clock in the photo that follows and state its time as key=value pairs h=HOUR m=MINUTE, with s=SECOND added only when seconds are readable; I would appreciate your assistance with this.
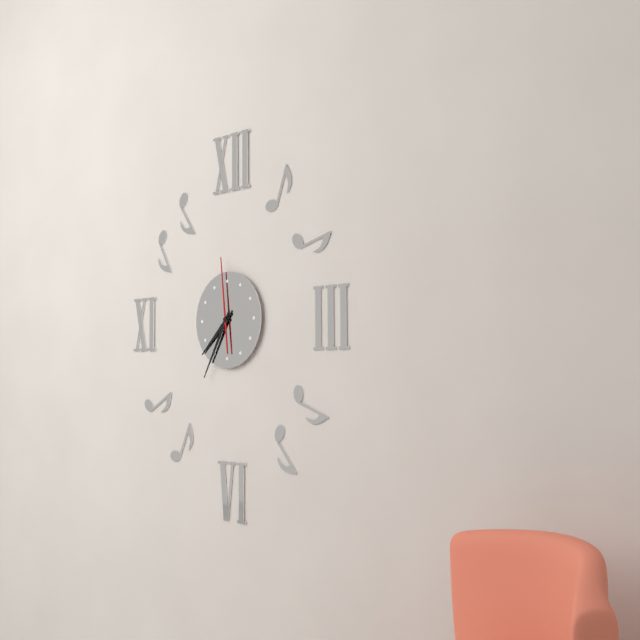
h=7 m=35 s=59
